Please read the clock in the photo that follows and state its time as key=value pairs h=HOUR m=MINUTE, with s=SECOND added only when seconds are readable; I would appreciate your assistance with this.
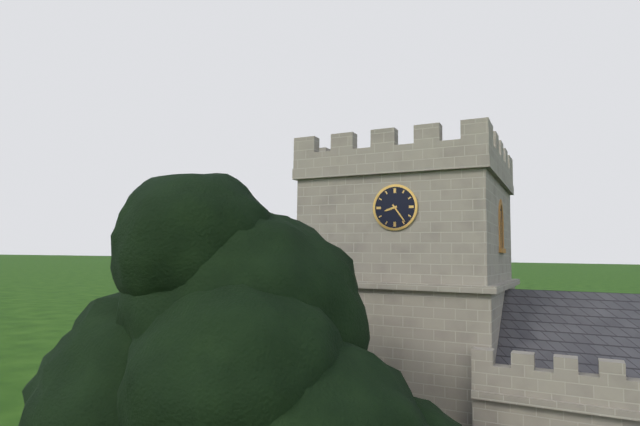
h=8 m=24
